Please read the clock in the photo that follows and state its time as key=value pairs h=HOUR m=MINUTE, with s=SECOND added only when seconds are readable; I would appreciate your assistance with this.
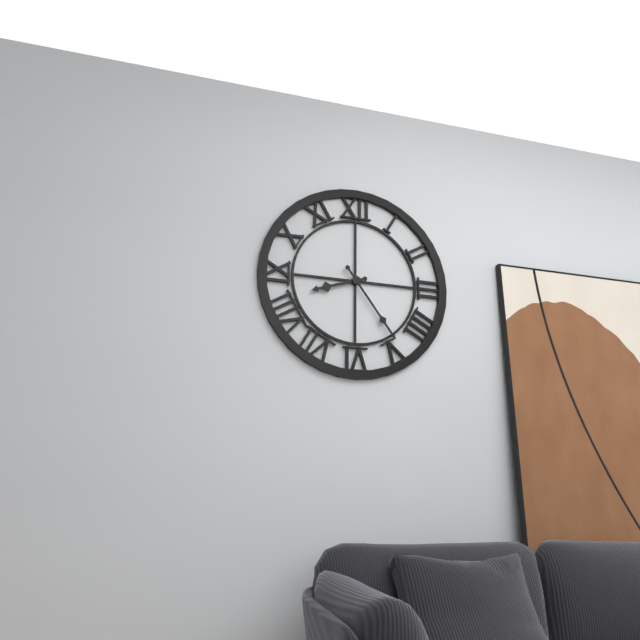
h=8 m=24
